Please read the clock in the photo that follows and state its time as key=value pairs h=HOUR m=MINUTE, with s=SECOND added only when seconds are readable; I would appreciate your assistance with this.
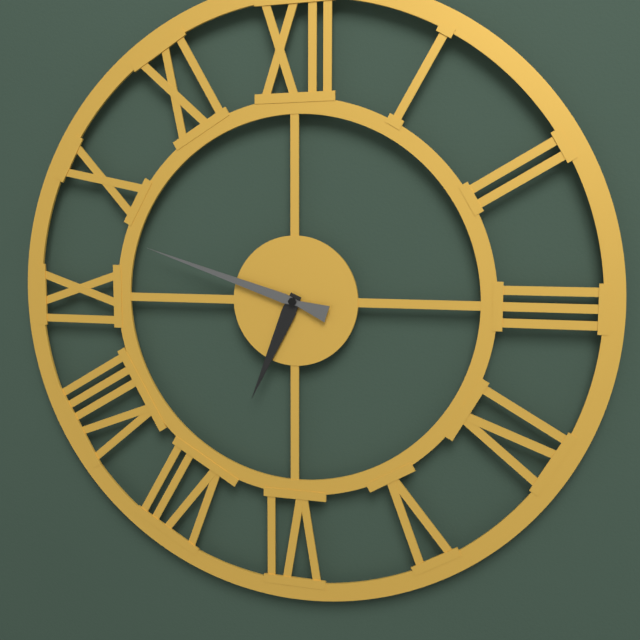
h=6 m=48
